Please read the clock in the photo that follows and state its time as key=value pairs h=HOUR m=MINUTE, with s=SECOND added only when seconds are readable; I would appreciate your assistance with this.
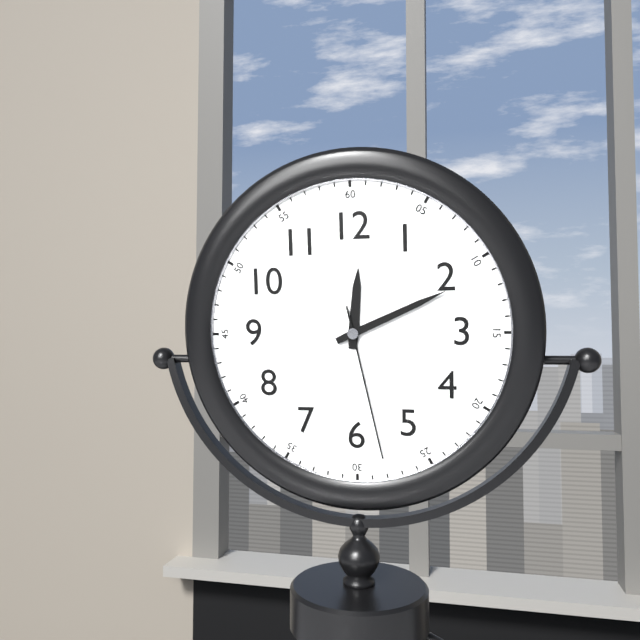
h=12 m=11 s=28
